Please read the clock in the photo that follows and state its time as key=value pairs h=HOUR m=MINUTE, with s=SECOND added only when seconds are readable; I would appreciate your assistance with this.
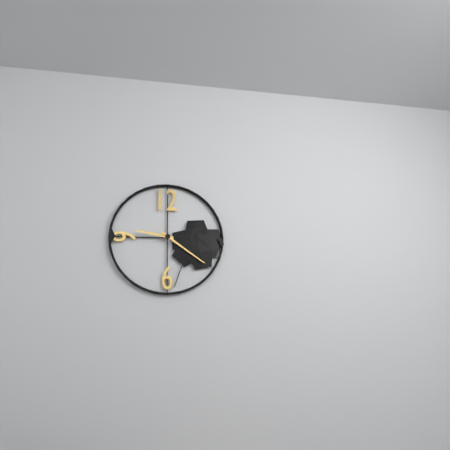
h=9 m=21
